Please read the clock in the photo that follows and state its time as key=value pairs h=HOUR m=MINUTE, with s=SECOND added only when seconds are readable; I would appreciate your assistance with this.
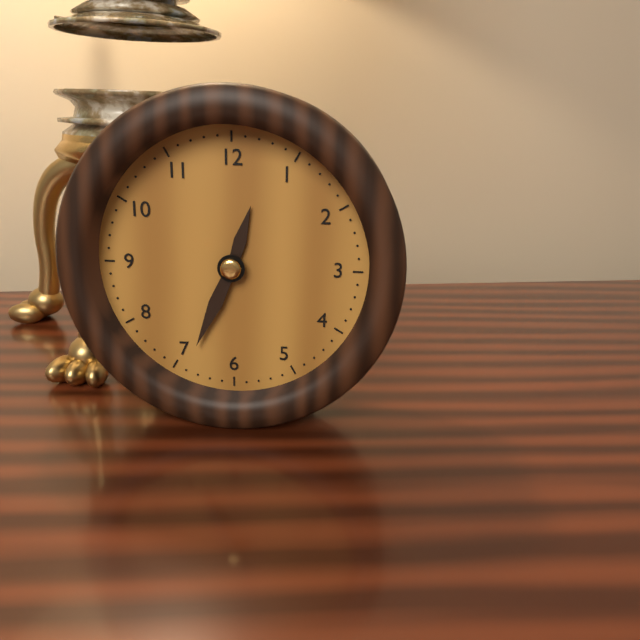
h=12 m=34
